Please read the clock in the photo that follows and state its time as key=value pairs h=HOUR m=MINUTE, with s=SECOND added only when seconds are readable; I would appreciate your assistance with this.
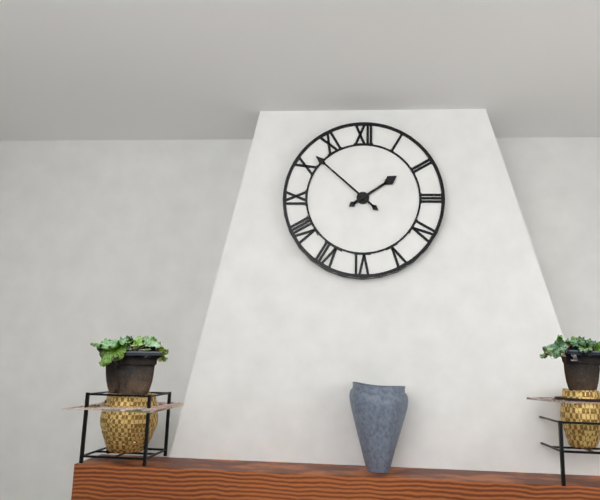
h=1 m=52
